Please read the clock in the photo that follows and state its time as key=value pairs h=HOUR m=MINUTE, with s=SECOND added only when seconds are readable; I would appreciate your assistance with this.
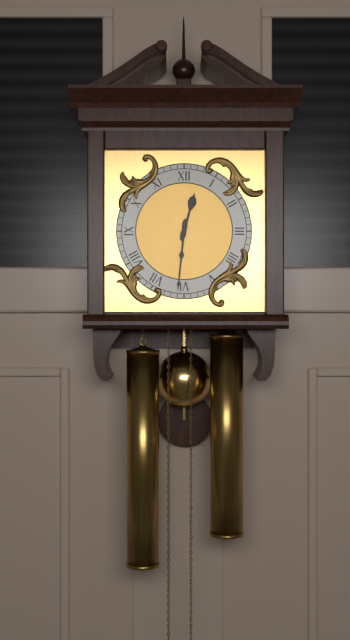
h=12 m=31
